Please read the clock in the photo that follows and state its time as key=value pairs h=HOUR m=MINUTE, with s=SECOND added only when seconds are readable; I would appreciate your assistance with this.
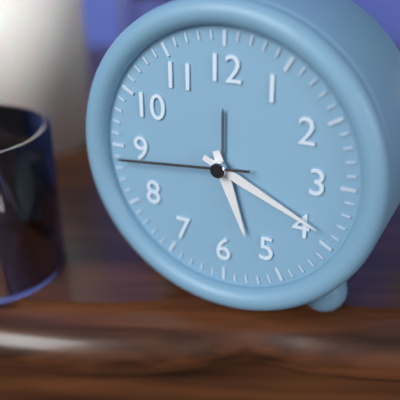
h=5 m=19 s=44
